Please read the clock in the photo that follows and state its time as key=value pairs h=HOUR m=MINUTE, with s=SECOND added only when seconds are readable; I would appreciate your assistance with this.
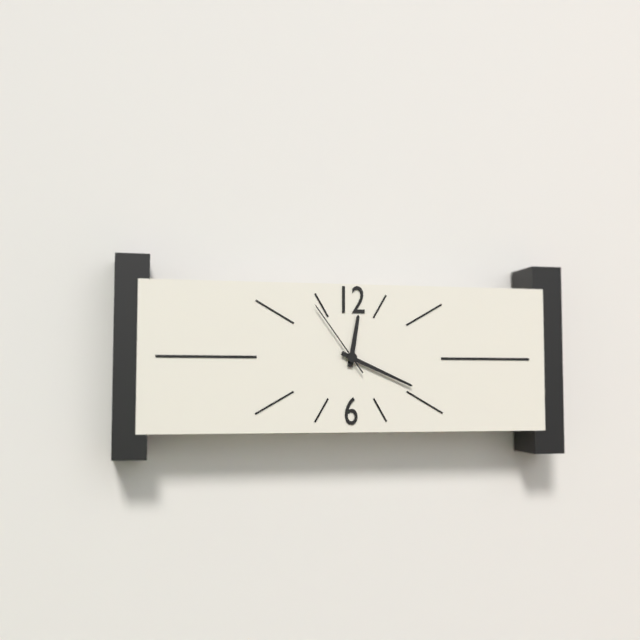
h=12 m=19 s=54
